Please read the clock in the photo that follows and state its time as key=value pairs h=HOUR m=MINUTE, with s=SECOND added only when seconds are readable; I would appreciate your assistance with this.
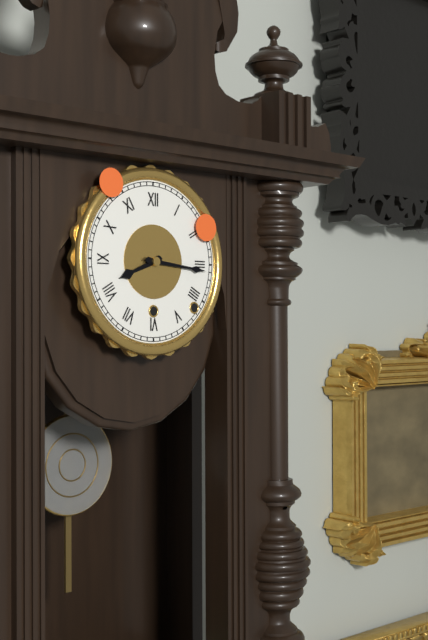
h=8 m=16
